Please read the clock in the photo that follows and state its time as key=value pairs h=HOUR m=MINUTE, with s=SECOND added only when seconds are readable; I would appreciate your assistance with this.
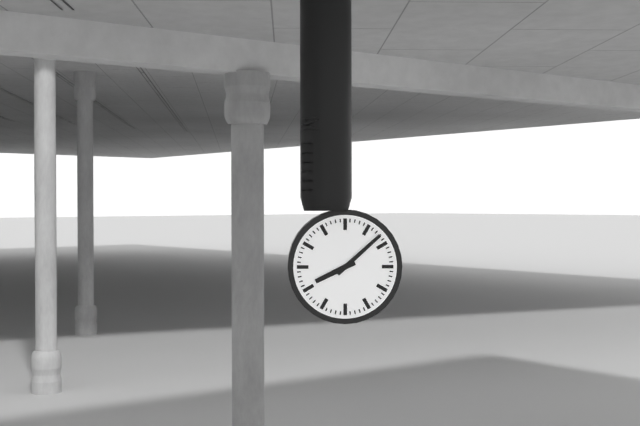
h=8 m=8
